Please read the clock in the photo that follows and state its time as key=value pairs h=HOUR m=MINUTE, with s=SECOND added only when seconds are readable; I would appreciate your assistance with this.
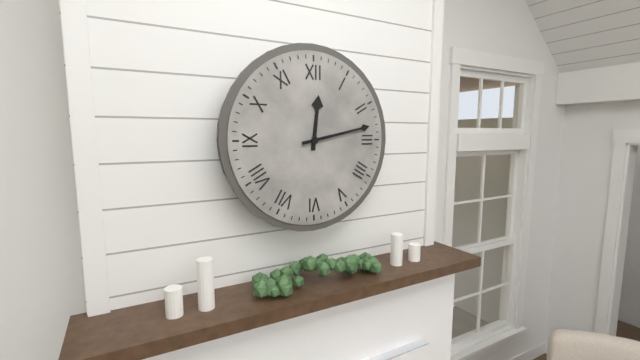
h=12 m=13
